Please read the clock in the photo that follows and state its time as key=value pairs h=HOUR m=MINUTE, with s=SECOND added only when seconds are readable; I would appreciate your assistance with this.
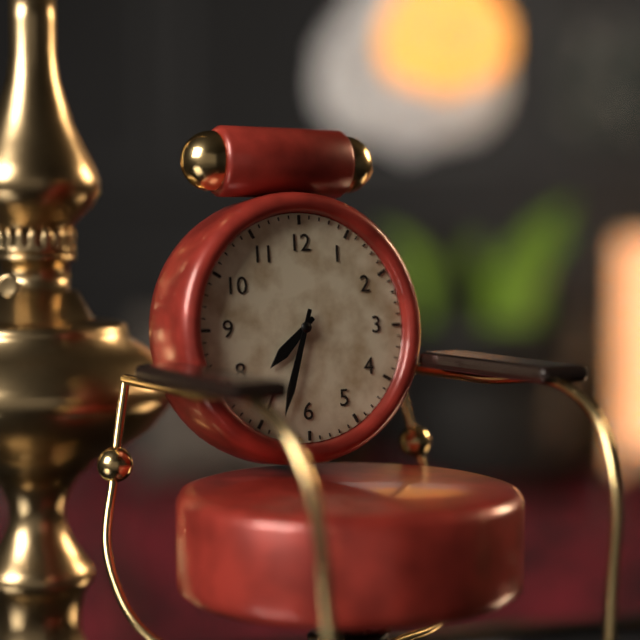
h=7 m=33
